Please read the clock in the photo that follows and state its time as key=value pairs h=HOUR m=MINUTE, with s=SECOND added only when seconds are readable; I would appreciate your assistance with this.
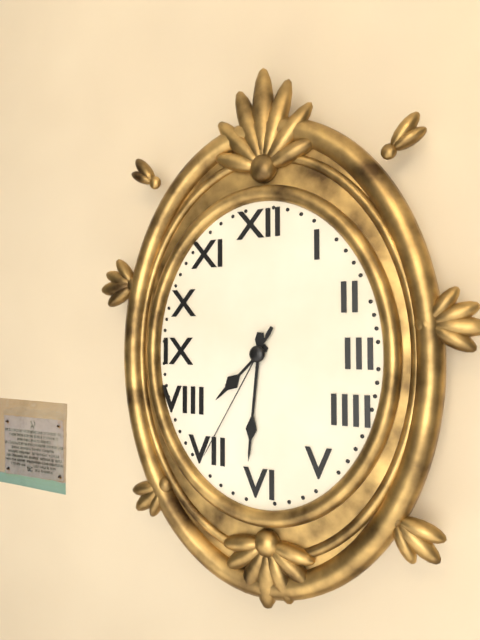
h=7 m=31 s=35
